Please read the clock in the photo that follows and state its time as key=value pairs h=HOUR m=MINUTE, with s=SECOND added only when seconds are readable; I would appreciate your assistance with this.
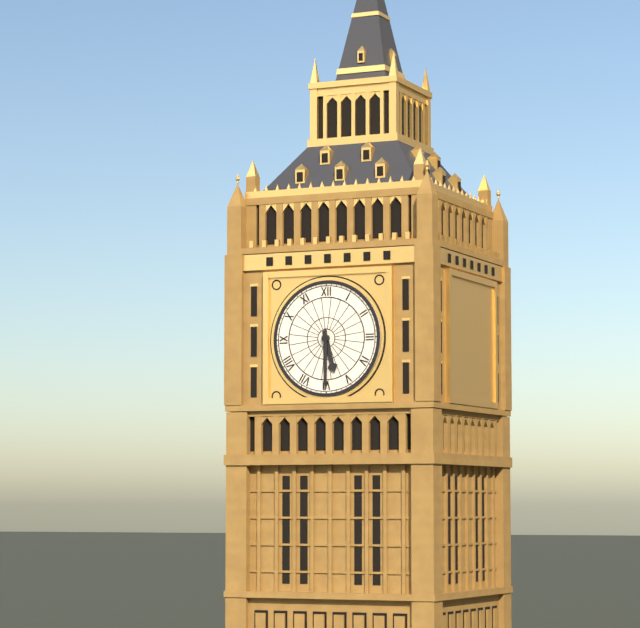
h=5 m=30
